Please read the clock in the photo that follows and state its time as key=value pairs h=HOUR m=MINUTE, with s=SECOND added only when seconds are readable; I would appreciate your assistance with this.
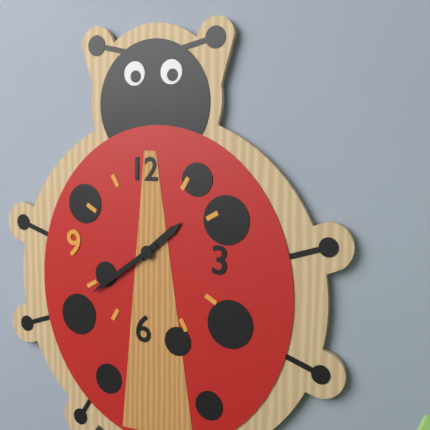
h=1 m=39
